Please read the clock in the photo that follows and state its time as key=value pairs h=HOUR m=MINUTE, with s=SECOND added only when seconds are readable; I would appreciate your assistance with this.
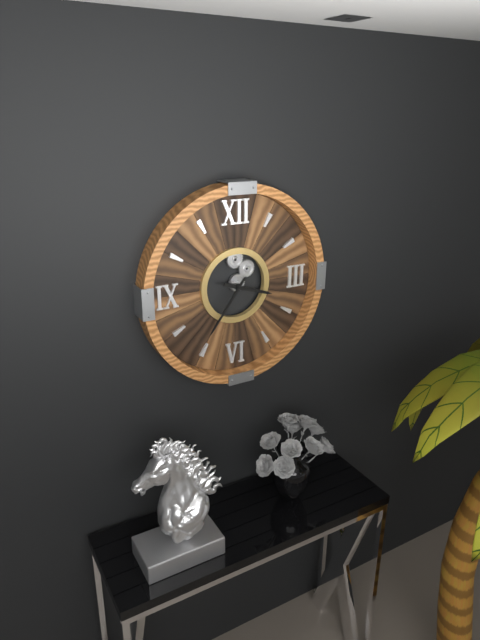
h=3 m=36
